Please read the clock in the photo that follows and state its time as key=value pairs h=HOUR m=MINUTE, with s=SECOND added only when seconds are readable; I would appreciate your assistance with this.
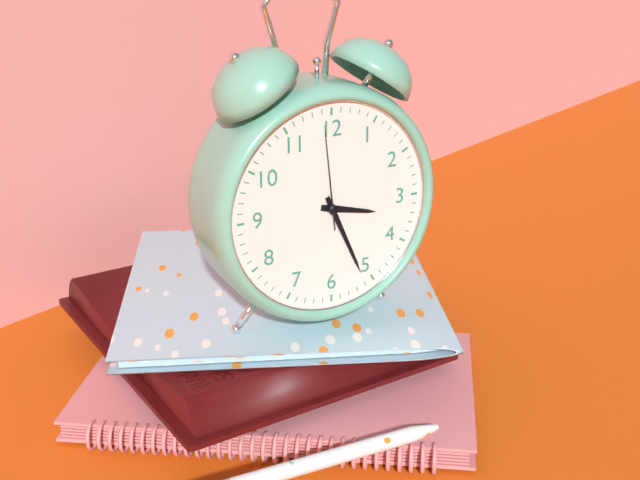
h=3 m=26 s=59
